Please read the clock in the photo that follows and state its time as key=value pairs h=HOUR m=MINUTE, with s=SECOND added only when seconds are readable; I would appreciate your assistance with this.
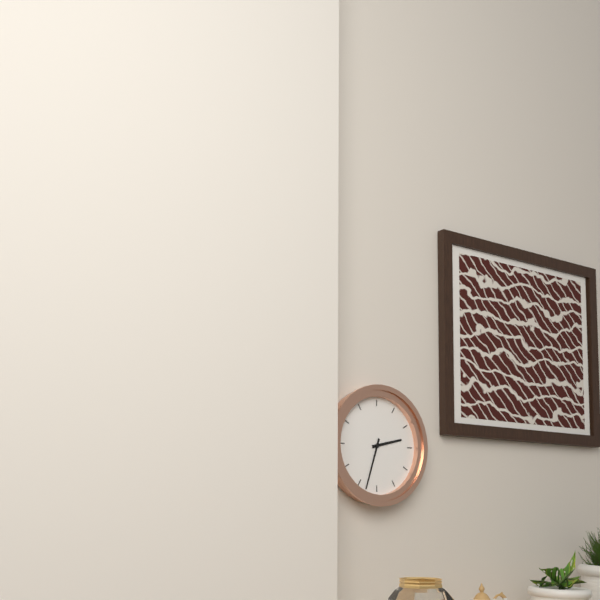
h=2 m=33
